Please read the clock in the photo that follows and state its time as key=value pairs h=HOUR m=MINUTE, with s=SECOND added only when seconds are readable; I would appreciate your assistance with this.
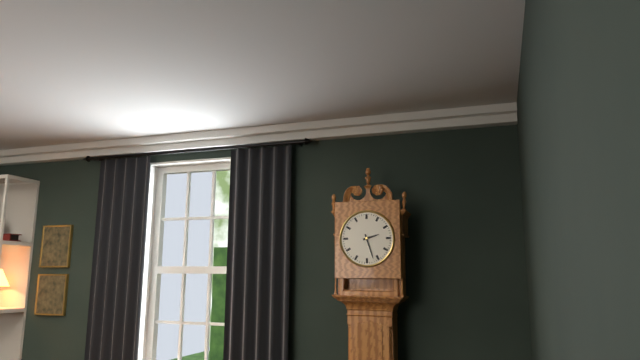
h=2 m=27
